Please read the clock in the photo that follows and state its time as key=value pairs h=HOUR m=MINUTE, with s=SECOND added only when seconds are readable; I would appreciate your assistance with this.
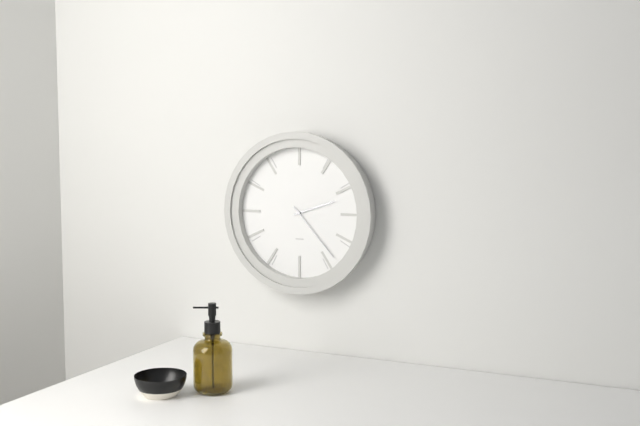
h=2 m=23
